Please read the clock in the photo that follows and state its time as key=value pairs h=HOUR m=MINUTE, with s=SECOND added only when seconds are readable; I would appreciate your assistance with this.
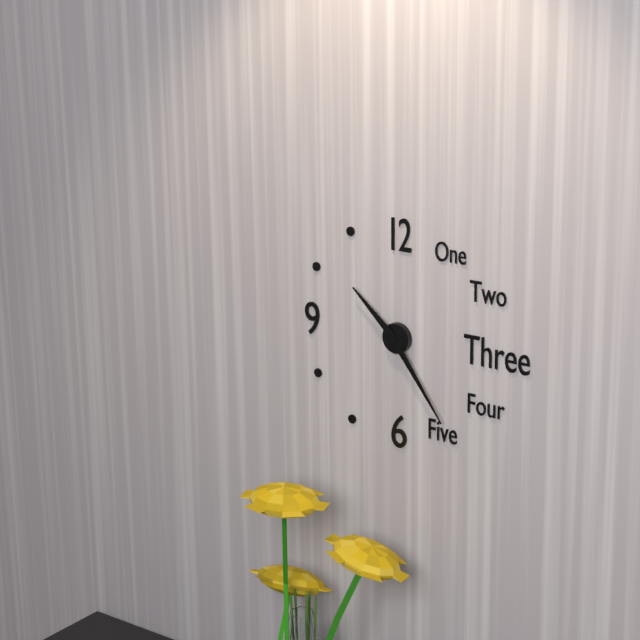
h=10 m=24
